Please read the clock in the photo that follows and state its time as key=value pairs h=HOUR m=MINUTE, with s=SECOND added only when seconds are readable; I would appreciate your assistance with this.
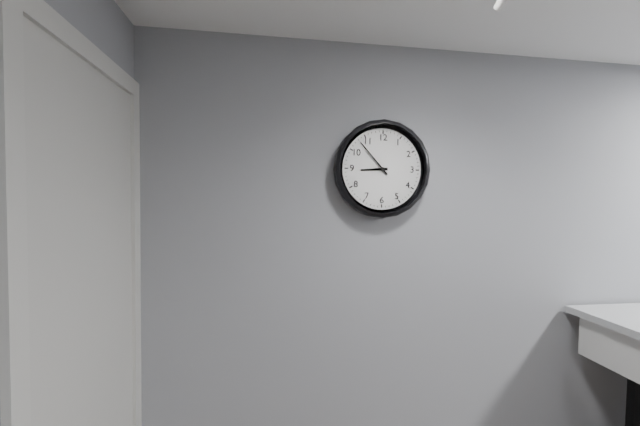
h=8 m=53
